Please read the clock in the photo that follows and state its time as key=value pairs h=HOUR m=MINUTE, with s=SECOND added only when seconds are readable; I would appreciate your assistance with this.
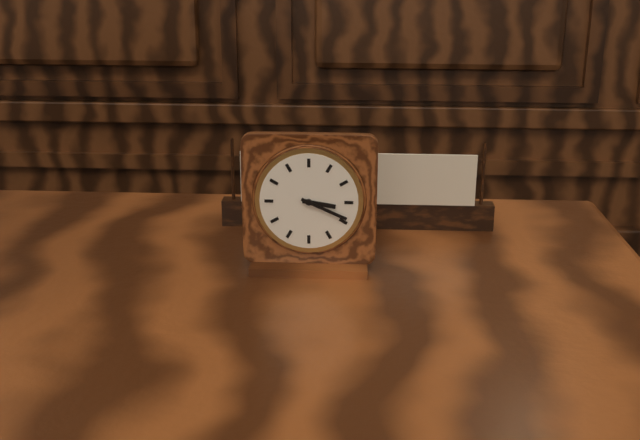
h=3 m=19
